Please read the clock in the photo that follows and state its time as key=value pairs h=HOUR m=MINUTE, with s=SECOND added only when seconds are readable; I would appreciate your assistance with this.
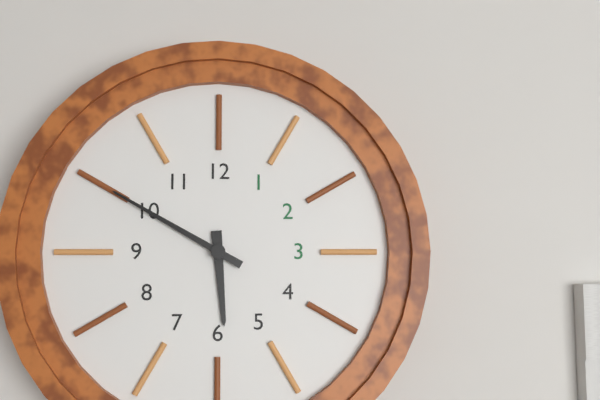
h=5 m=50
